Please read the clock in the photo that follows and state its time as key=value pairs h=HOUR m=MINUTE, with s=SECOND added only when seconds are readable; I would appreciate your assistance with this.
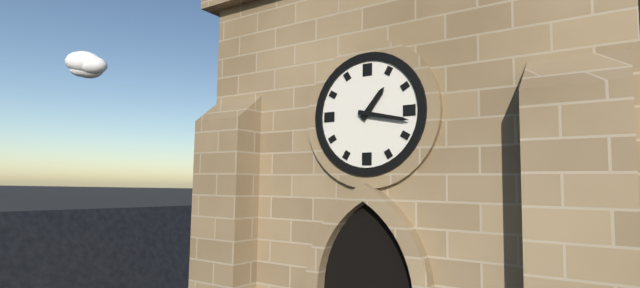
h=1 m=17
